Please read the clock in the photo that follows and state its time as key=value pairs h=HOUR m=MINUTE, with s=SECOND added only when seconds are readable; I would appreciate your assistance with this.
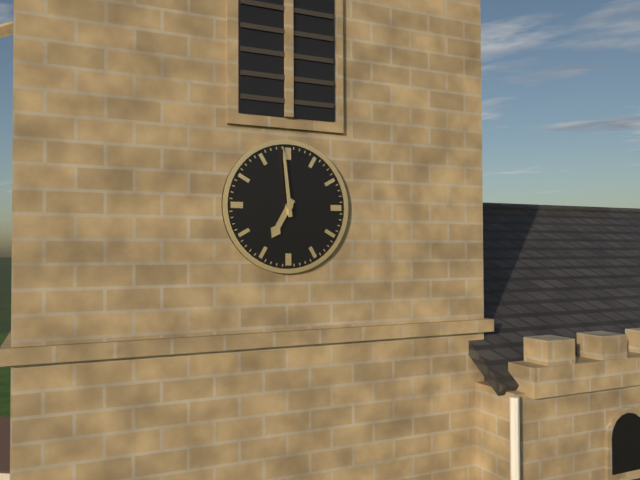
h=6 m=59
